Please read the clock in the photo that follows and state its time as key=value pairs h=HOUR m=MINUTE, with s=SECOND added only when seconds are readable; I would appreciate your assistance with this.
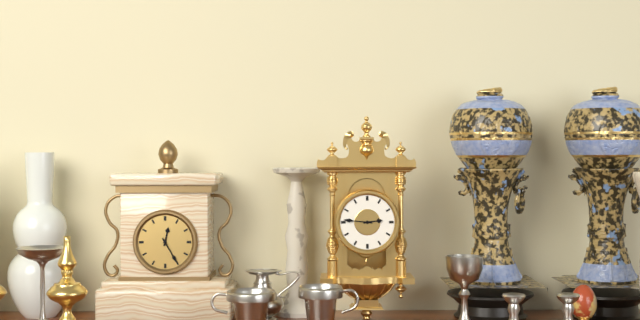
h=2 m=46
